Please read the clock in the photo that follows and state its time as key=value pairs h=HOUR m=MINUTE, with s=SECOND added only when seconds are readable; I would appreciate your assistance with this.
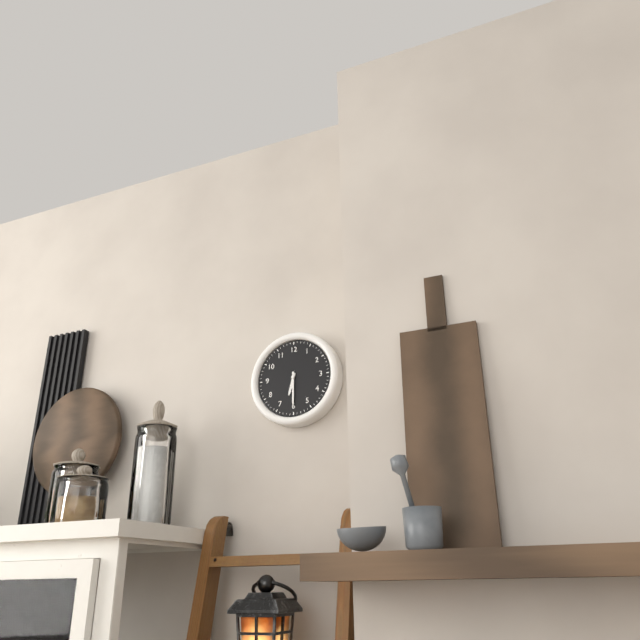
h=6 m=30
